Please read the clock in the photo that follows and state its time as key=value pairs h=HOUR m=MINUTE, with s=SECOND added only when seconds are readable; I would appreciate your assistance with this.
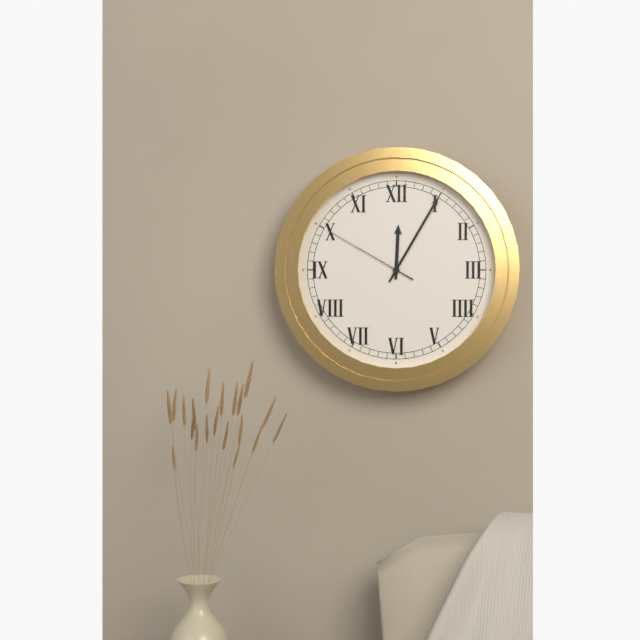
h=12 m=5 s=50
